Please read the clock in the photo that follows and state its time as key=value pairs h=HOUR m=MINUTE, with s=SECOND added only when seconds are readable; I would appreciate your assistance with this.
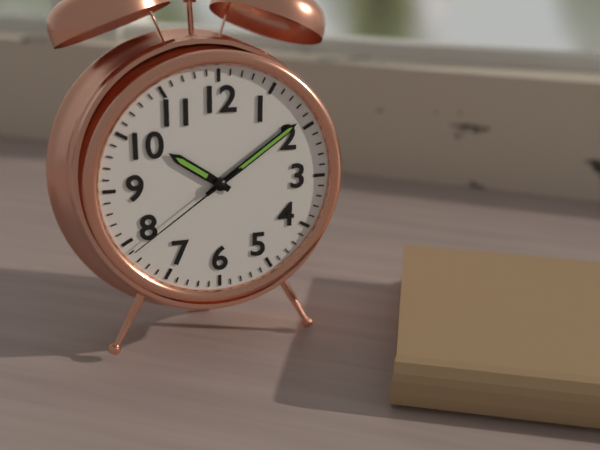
h=10 m=9 s=39
